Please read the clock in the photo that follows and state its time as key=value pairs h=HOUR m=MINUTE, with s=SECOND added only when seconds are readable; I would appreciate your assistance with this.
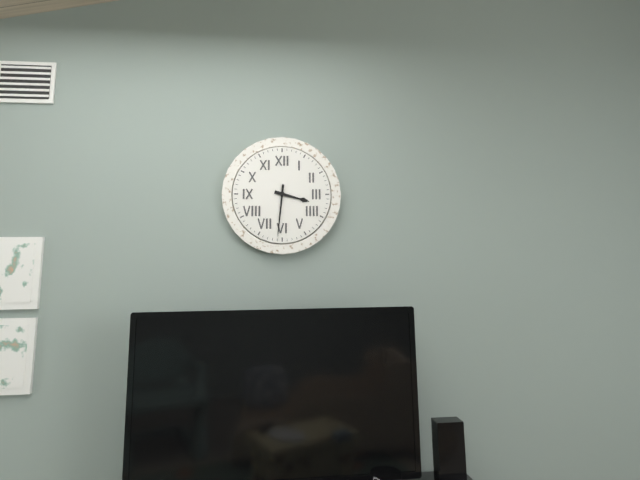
h=3 m=31
